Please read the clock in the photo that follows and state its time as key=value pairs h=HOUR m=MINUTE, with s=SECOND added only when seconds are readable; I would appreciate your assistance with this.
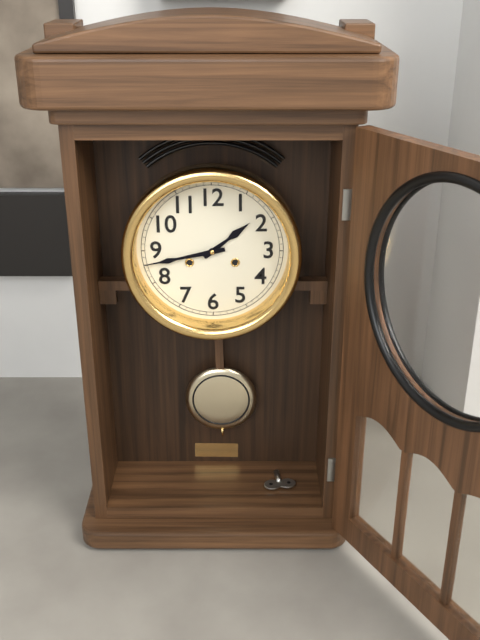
h=1 m=43
